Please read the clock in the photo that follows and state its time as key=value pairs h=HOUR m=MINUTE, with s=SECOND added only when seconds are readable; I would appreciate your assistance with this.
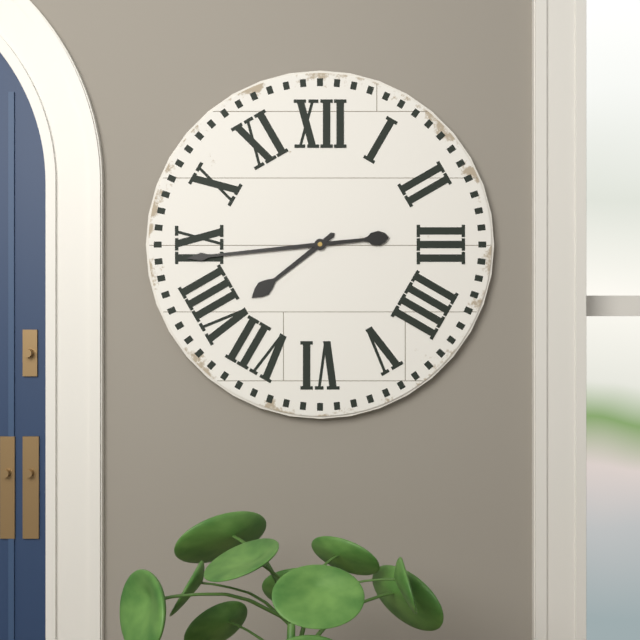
h=7 m=44
